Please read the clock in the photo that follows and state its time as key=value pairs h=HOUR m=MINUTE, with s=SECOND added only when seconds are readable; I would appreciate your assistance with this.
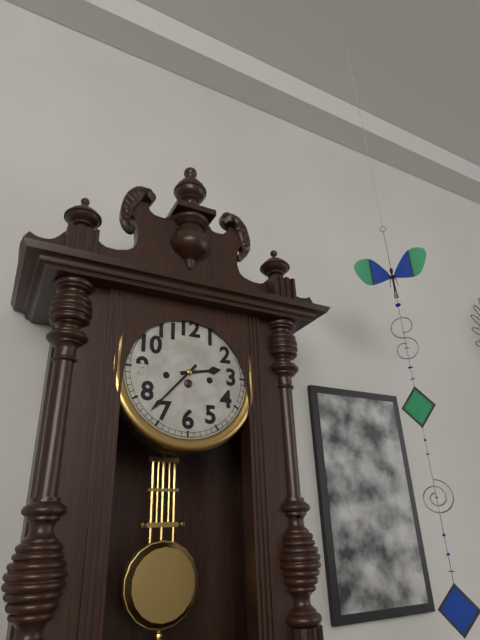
h=2 m=37
